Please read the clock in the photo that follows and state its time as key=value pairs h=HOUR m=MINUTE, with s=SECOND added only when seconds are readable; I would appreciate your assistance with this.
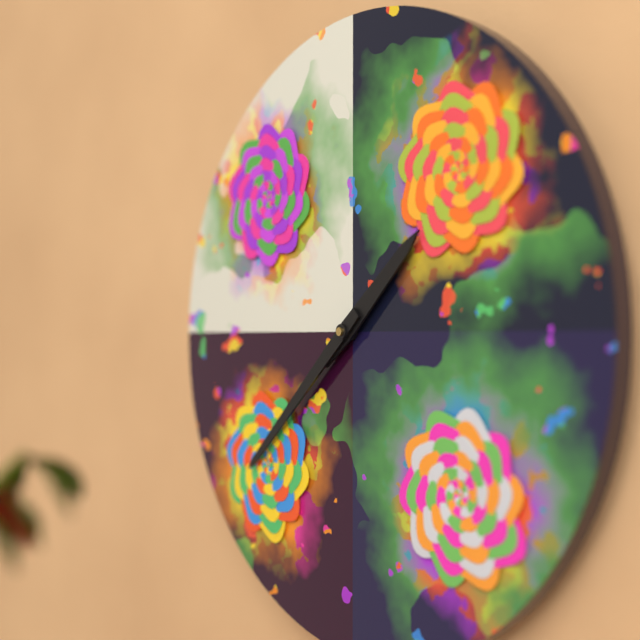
h=1 m=38
